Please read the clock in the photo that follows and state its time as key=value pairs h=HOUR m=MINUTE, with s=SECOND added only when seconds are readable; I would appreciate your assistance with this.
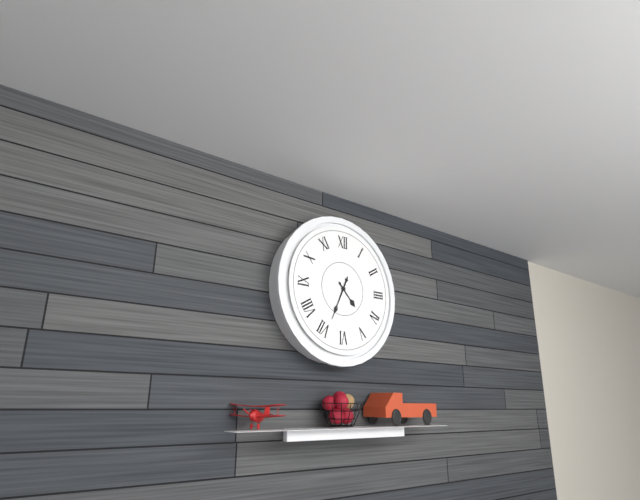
h=4 m=34
